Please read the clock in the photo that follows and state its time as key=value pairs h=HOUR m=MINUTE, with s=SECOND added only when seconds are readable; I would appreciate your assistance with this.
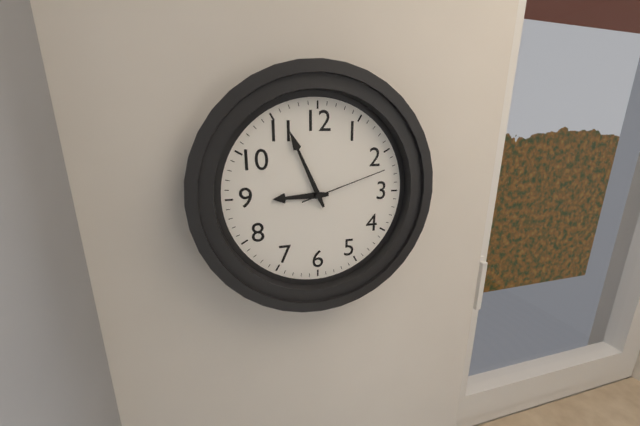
h=8 m=56 s=12
